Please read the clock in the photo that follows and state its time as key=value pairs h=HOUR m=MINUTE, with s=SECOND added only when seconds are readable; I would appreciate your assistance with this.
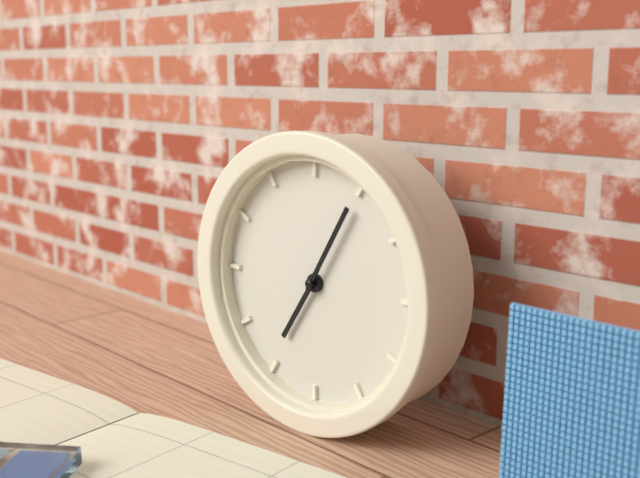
h=7 m=5
